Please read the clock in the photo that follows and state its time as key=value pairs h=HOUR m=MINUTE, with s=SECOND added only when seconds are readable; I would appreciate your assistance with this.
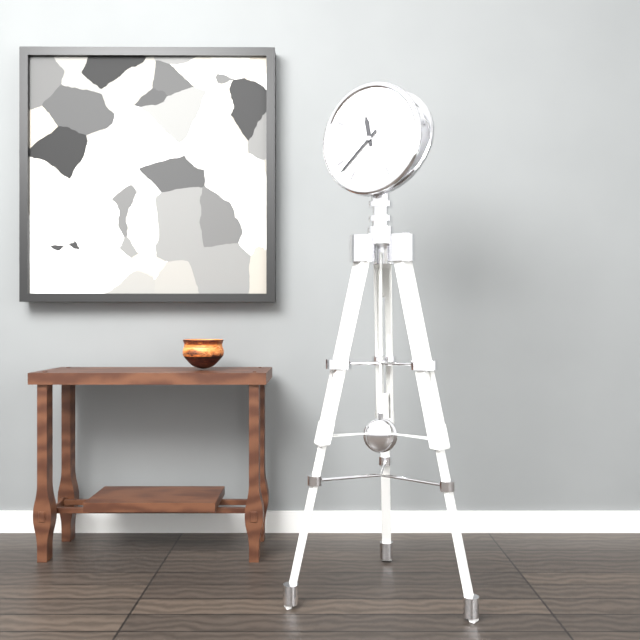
h=11 m=38
